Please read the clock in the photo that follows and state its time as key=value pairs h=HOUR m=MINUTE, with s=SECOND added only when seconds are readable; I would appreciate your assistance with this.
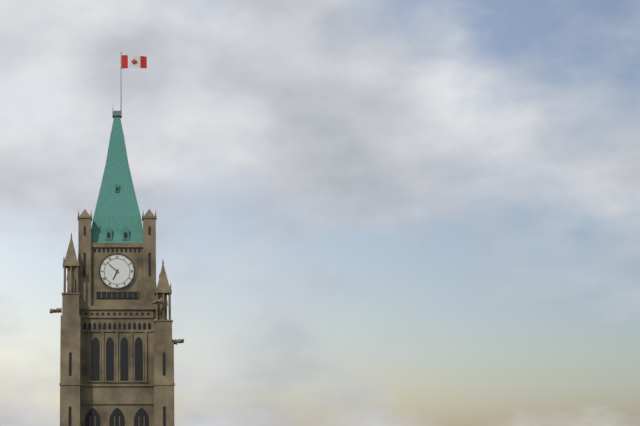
h=6 m=52
